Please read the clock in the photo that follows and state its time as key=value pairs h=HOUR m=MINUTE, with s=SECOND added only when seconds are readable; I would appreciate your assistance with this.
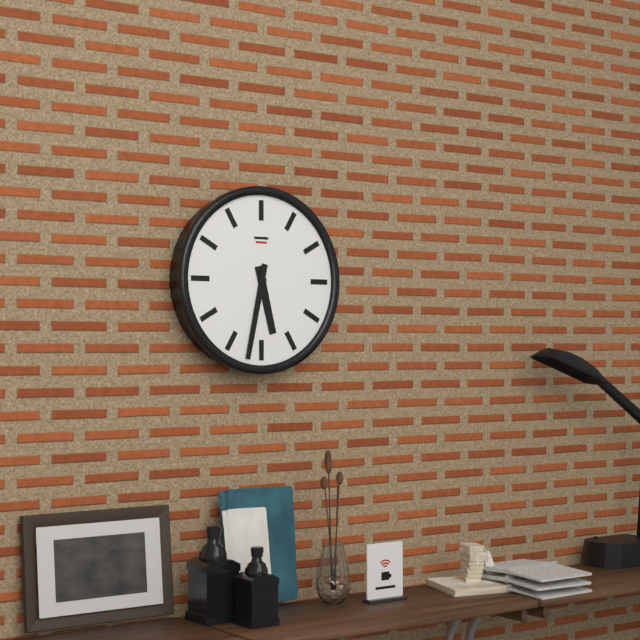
h=5 m=32
